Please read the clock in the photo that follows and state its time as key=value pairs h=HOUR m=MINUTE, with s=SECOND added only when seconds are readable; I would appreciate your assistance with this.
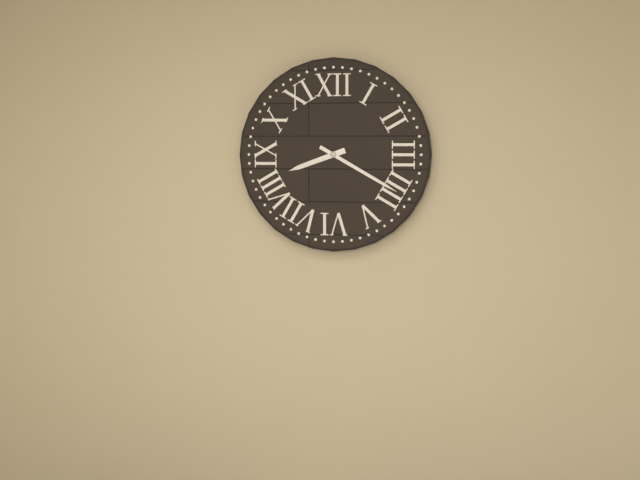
h=8 m=20
